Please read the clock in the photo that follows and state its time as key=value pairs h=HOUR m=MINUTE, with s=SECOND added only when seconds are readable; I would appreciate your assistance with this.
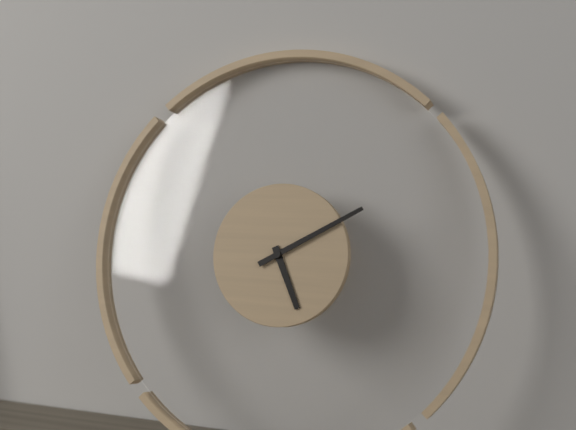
h=5 m=10
